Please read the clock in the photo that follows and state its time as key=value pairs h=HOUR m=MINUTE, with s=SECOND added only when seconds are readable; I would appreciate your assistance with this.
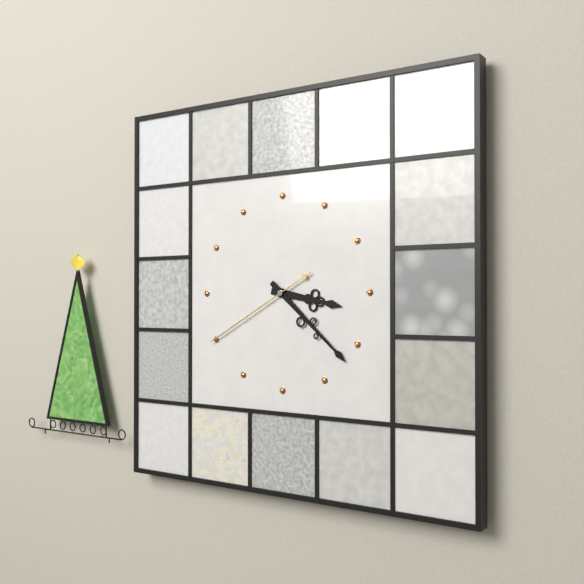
h=3 m=22 s=40
